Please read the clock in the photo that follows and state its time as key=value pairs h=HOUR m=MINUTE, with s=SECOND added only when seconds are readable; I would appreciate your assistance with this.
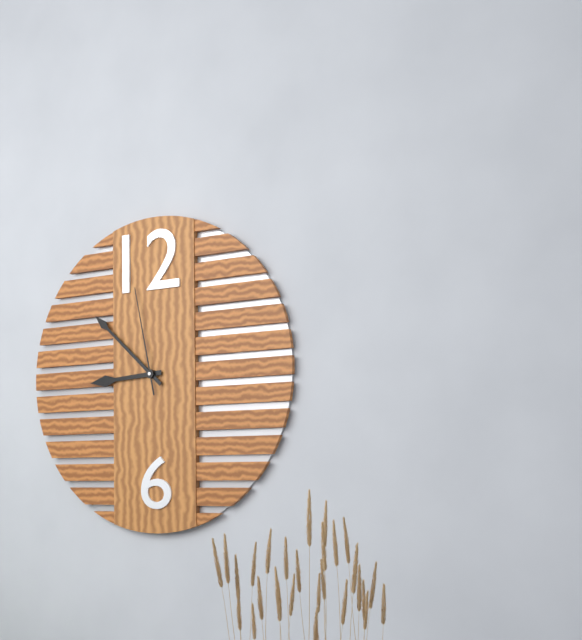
h=8 m=52 s=58
